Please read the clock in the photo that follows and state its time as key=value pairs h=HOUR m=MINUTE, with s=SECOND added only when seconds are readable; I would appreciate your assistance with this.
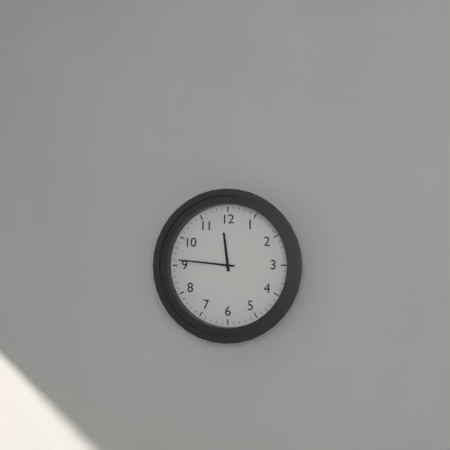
h=11 m=46
